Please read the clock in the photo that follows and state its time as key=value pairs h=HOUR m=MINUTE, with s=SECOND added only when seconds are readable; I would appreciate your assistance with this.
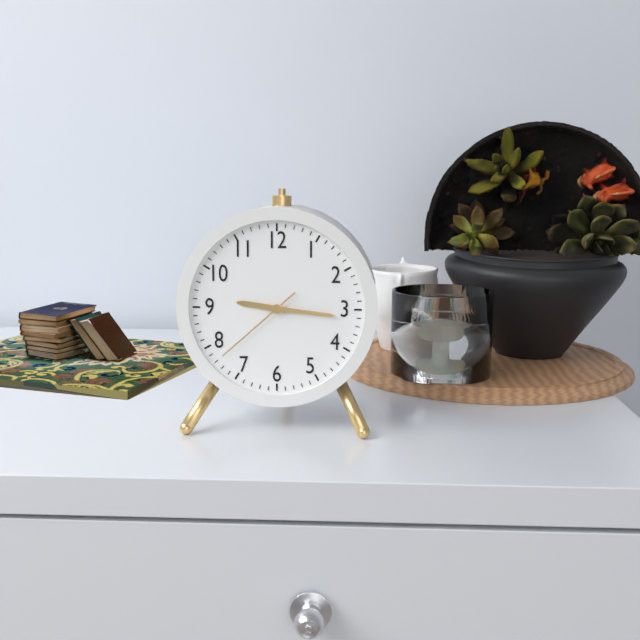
h=9 m=16 s=38
